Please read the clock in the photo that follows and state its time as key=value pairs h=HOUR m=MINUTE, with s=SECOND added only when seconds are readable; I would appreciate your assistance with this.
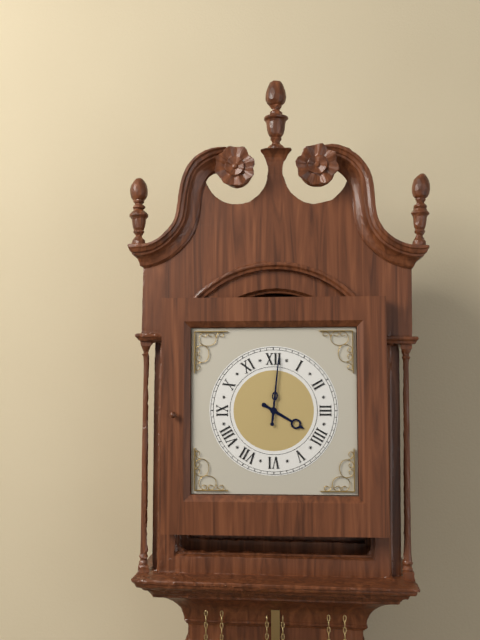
h=4 m=1
